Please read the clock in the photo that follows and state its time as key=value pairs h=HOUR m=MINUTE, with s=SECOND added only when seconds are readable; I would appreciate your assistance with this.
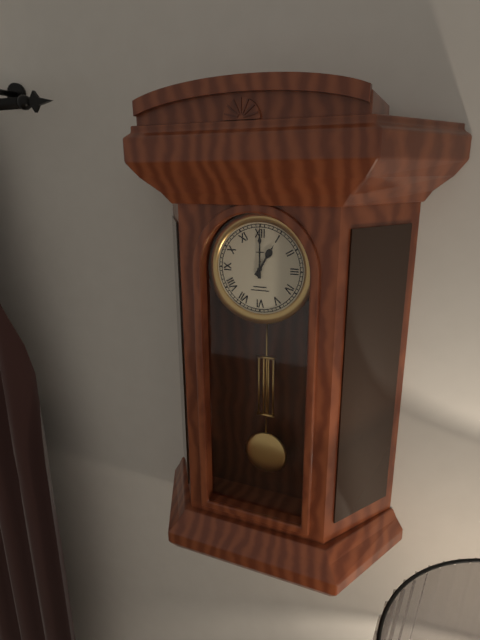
h=1 m=0
